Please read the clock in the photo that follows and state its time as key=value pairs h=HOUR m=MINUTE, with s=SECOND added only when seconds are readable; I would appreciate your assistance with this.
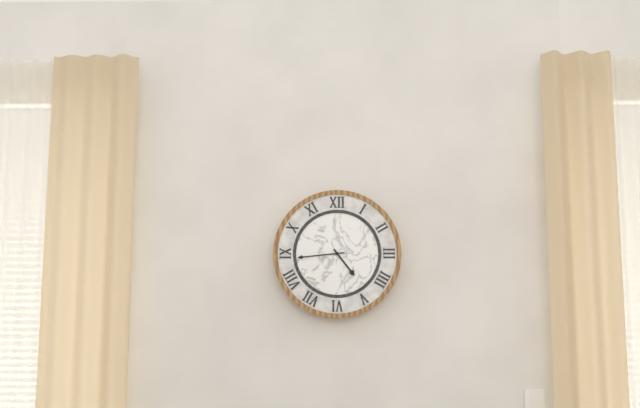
h=4 m=44
